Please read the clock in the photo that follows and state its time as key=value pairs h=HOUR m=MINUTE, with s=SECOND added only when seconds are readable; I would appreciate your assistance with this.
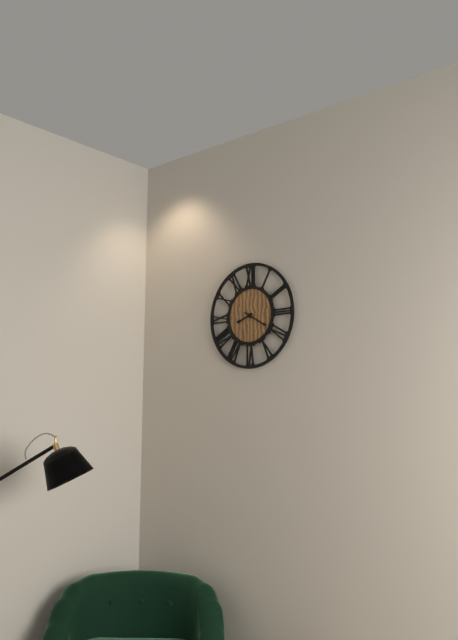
h=8 m=20
